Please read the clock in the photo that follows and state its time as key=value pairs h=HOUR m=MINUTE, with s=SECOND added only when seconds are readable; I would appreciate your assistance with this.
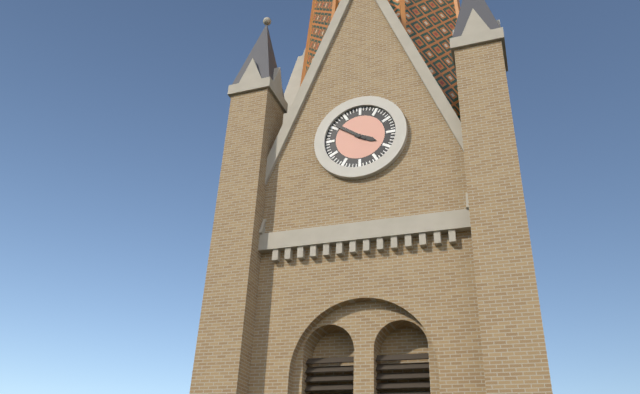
h=3 m=51
